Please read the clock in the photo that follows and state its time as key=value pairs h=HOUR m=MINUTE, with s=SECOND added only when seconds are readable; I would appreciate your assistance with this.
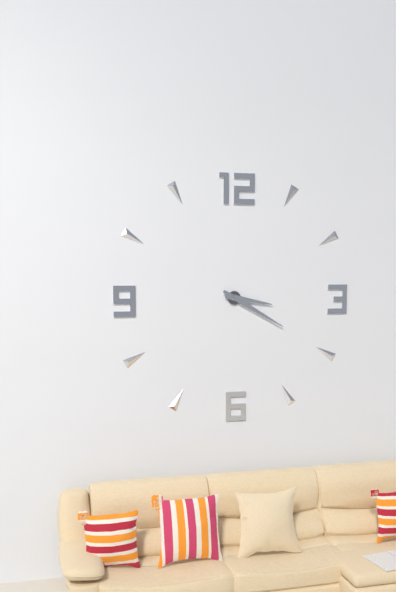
h=3 m=20
